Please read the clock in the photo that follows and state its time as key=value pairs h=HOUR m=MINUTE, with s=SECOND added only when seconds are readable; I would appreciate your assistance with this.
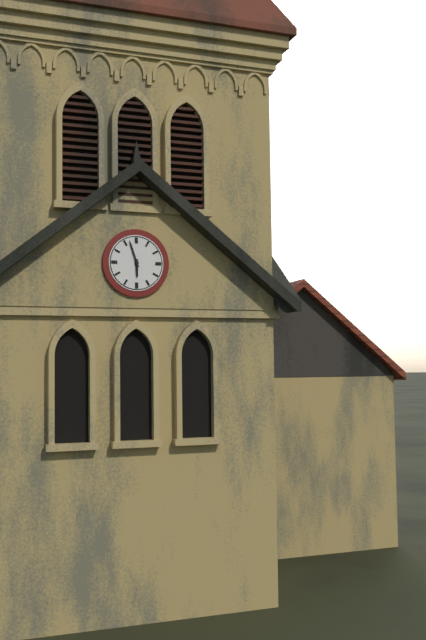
h=5 m=57
